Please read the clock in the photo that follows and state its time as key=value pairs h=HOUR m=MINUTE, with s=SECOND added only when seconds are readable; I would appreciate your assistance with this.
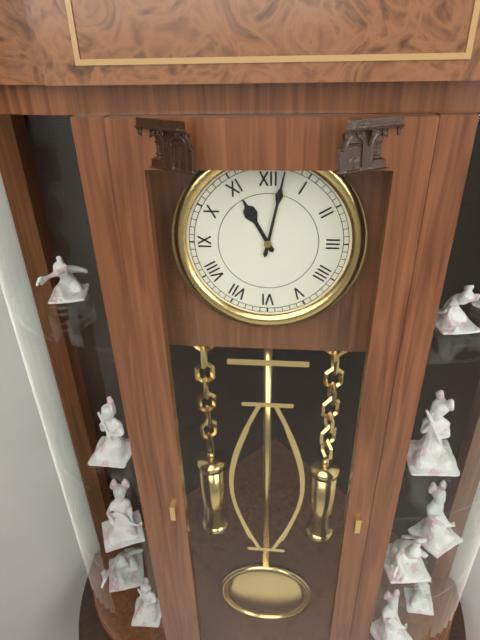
h=11 m=2
